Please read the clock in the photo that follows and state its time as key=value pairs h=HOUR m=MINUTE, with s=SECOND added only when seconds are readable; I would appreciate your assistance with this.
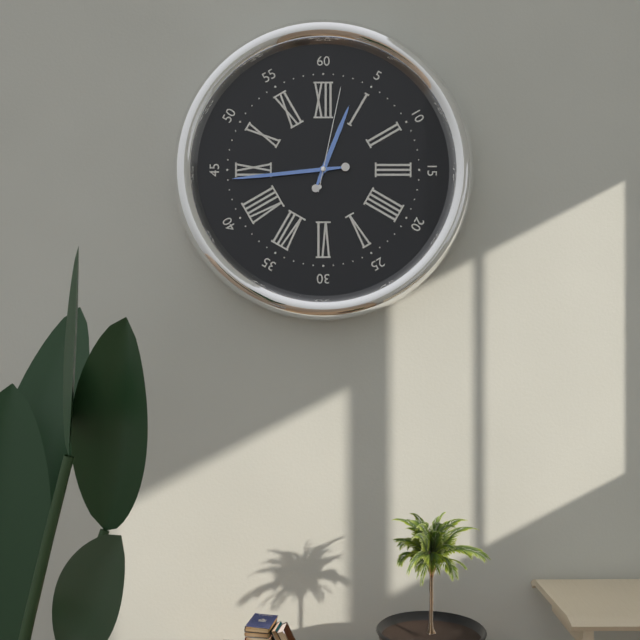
h=12 m=44 s=2
